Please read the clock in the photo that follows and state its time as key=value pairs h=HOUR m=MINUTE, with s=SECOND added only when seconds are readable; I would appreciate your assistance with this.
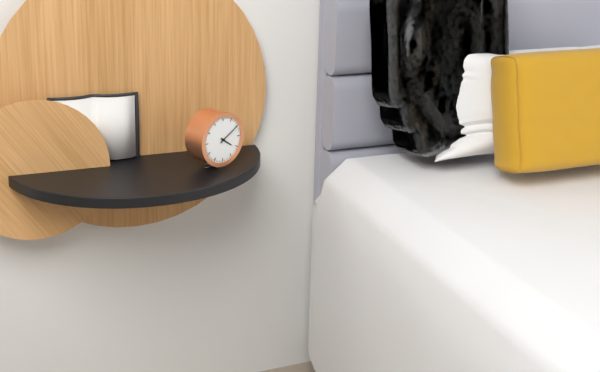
h=4 m=10
